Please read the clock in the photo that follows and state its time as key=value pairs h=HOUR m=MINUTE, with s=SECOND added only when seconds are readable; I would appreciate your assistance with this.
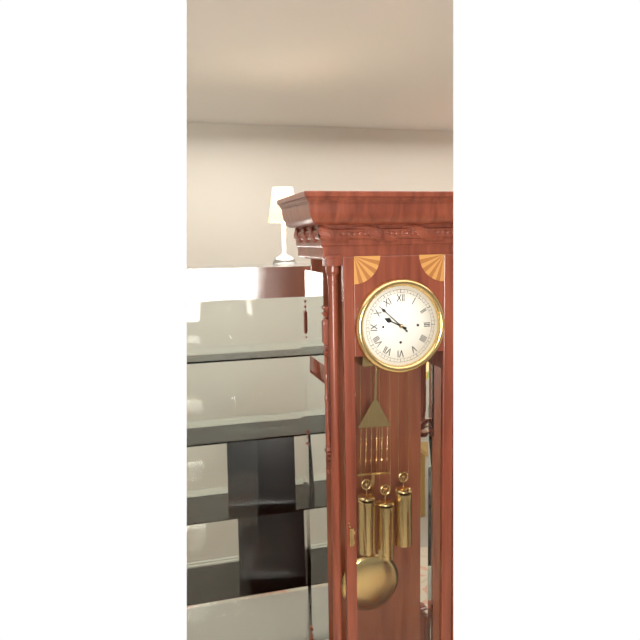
h=9 m=52
